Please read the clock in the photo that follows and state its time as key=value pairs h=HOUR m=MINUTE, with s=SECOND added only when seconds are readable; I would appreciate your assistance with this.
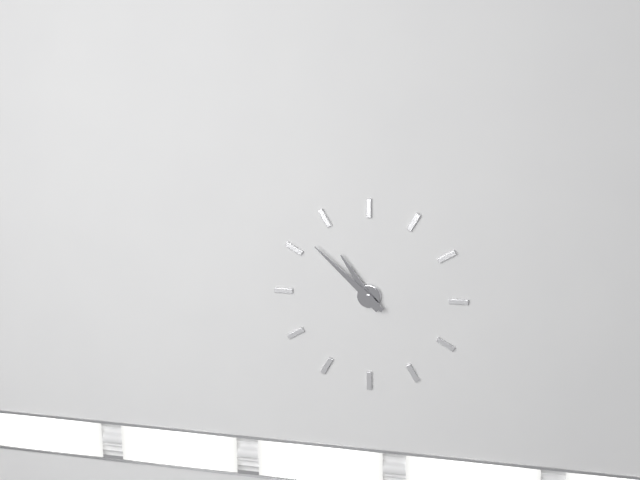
h=10 m=52
